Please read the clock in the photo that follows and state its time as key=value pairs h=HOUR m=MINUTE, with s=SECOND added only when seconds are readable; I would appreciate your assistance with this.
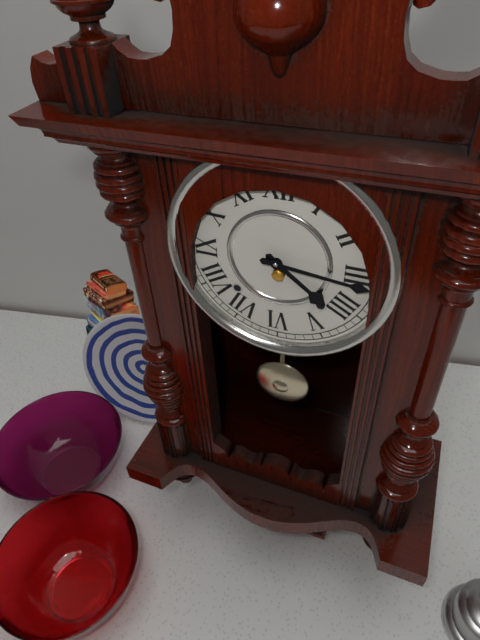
h=4 m=16
